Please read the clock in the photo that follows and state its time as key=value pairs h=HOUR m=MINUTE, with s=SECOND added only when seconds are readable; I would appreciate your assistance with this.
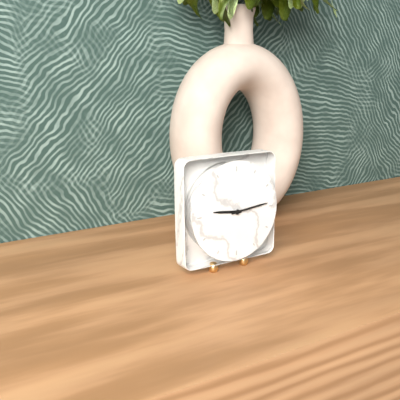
h=9 m=14
